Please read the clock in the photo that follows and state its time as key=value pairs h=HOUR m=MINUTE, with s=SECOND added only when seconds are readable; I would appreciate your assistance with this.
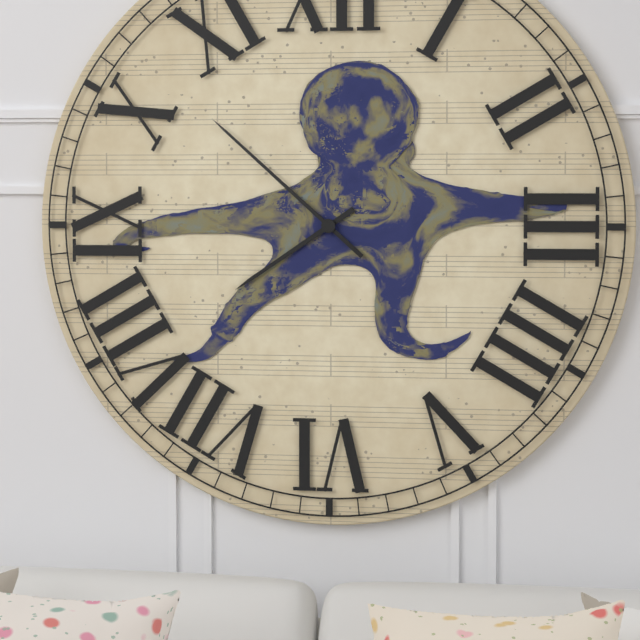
h=7 m=52
